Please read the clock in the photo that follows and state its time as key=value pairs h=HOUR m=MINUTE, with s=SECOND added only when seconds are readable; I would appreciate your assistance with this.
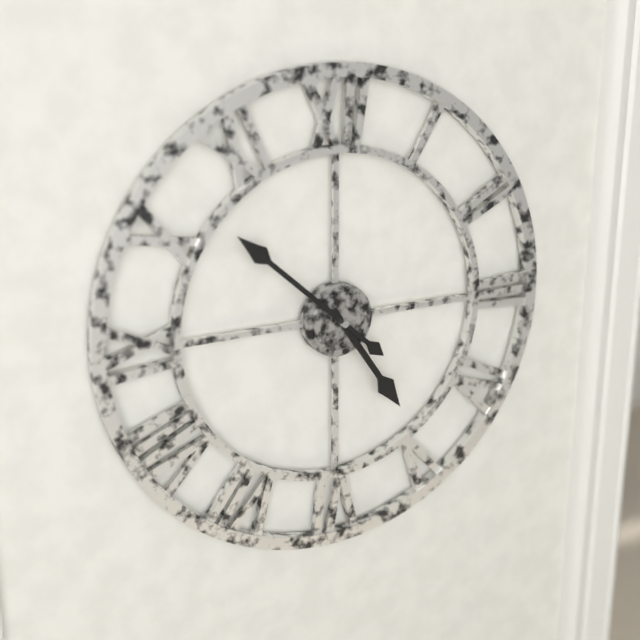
h=4 m=52
